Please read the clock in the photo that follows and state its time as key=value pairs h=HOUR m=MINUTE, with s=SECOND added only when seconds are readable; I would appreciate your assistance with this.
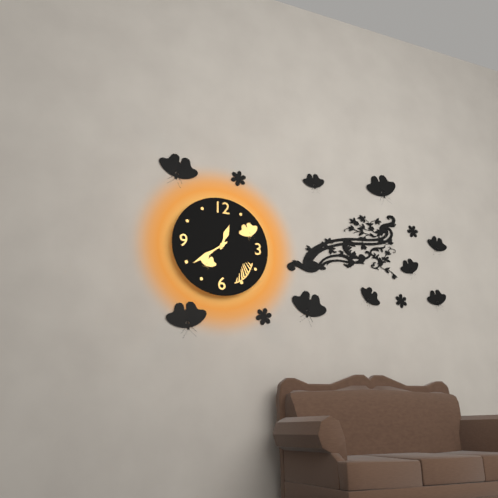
h=12 m=39
